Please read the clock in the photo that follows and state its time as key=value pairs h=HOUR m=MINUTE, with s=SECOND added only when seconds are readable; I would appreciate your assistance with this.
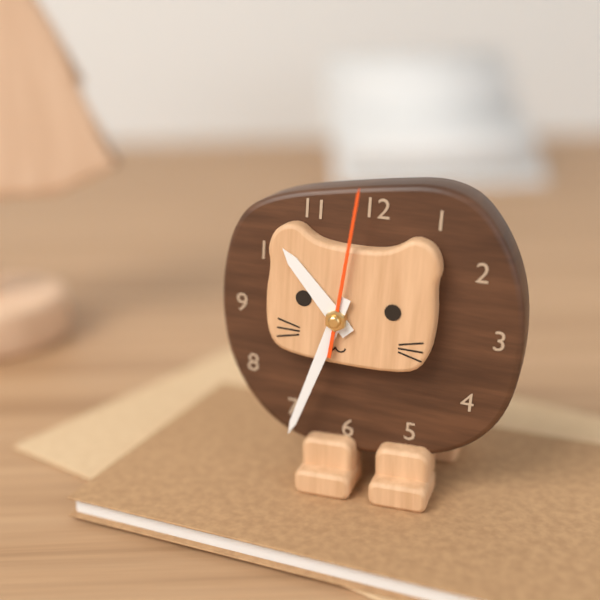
h=10 m=33 s=1
